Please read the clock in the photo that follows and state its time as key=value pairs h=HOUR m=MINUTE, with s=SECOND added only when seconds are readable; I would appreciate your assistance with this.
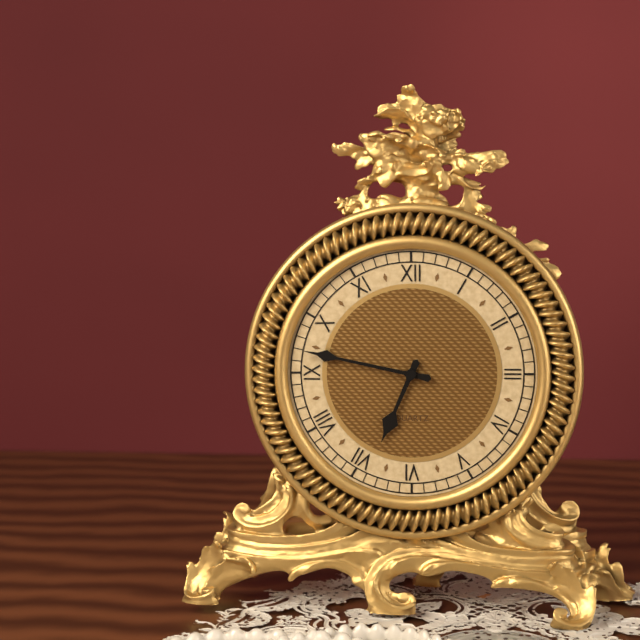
h=6 m=47
